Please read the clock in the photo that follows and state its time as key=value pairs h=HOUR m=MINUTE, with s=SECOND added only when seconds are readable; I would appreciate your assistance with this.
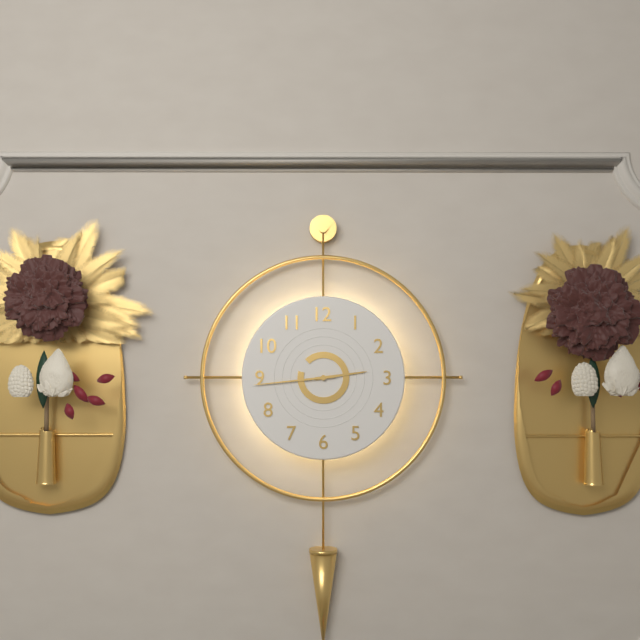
h=2 m=44
